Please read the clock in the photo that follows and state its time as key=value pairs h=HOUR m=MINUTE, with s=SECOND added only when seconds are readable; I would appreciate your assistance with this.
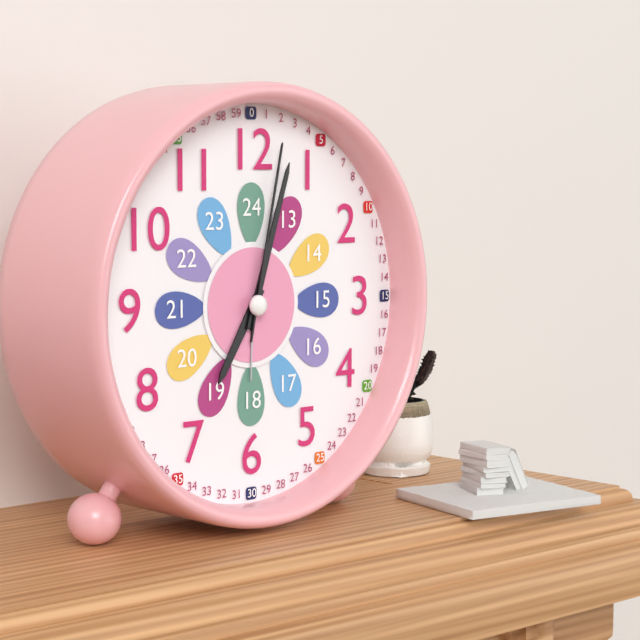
h=7 m=3 s=2
